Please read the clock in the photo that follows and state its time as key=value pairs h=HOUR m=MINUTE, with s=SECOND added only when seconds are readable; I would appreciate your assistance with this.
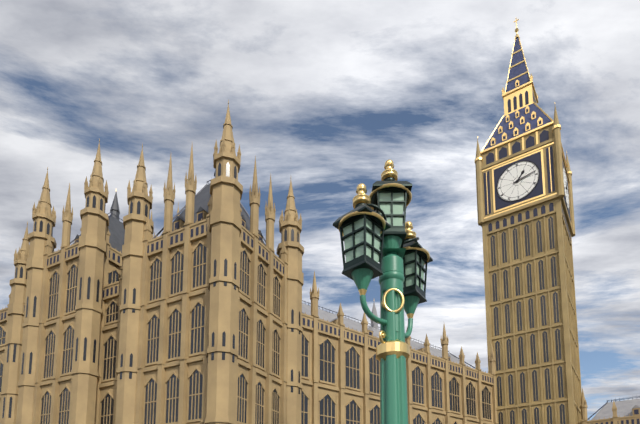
h=1 m=13
